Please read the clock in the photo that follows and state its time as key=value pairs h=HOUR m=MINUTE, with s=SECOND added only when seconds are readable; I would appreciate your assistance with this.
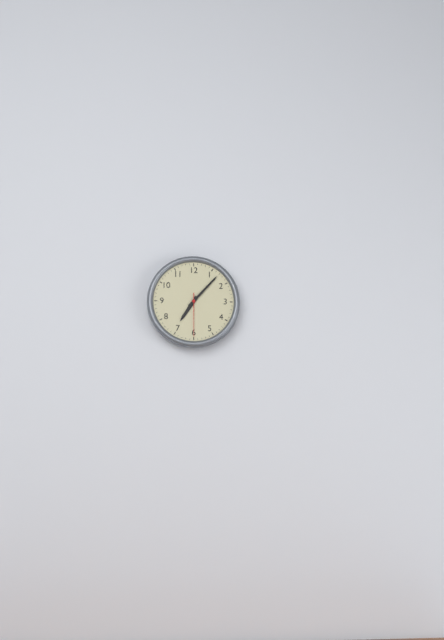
h=7 m=7
